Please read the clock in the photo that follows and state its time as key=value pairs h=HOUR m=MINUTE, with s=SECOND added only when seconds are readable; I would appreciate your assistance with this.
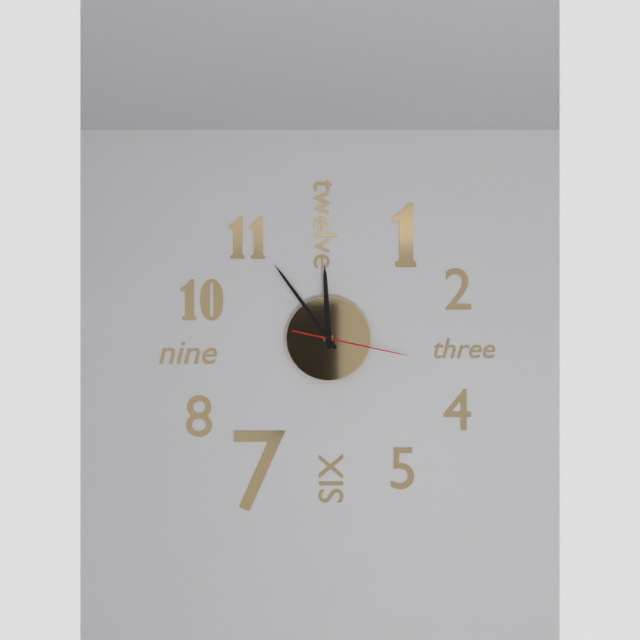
h=11 m=54 s=17
